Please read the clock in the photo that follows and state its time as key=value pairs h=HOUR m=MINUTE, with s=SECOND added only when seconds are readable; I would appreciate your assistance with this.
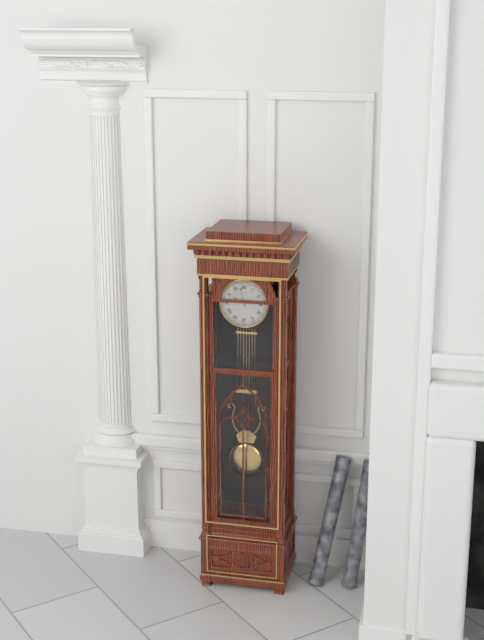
h=9 m=58
